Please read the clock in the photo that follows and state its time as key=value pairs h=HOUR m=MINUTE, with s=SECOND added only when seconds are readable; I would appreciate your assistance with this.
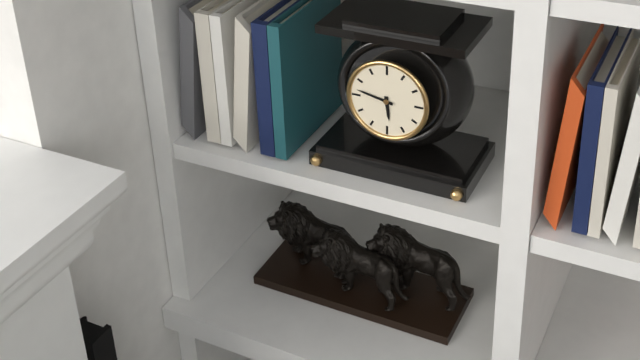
h=5 m=47
